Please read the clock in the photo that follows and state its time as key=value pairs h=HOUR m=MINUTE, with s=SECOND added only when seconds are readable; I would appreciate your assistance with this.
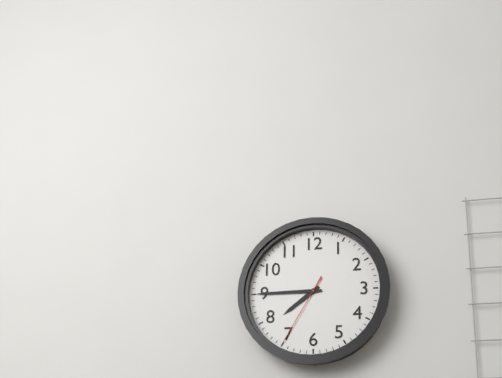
h=7 m=45 s=35
